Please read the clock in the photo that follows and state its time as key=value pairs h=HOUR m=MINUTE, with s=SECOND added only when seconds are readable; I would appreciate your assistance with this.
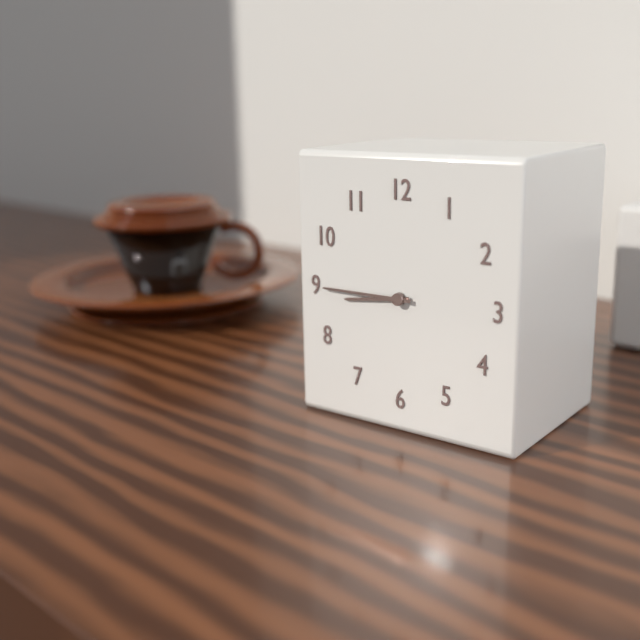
h=8 m=45
